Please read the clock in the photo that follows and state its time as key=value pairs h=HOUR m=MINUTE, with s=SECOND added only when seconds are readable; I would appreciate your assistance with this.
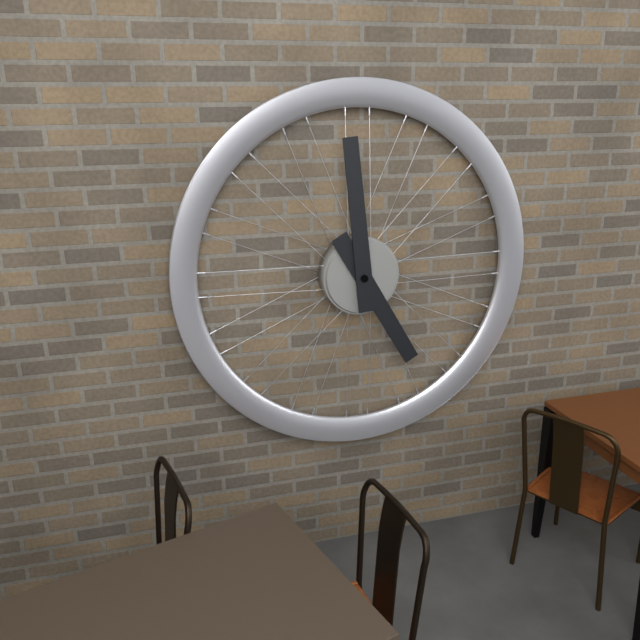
h=4 m=59
